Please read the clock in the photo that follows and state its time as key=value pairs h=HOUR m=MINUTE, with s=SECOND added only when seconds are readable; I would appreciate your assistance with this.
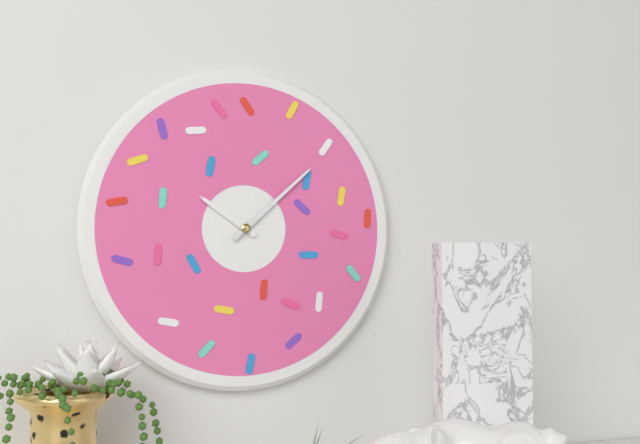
h=10 m=8
